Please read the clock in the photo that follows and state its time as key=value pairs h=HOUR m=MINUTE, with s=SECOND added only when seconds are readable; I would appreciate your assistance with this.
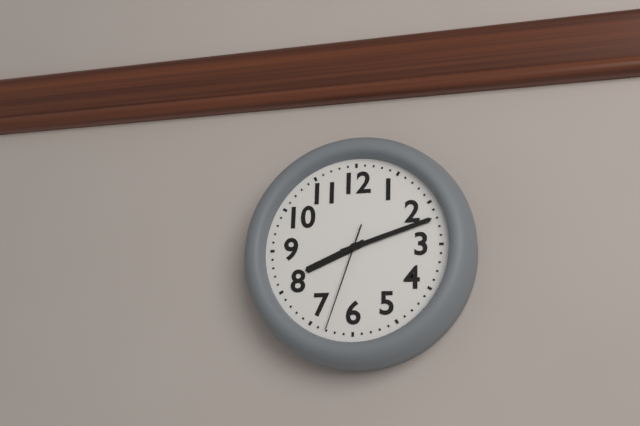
h=8 m=12 s=33
